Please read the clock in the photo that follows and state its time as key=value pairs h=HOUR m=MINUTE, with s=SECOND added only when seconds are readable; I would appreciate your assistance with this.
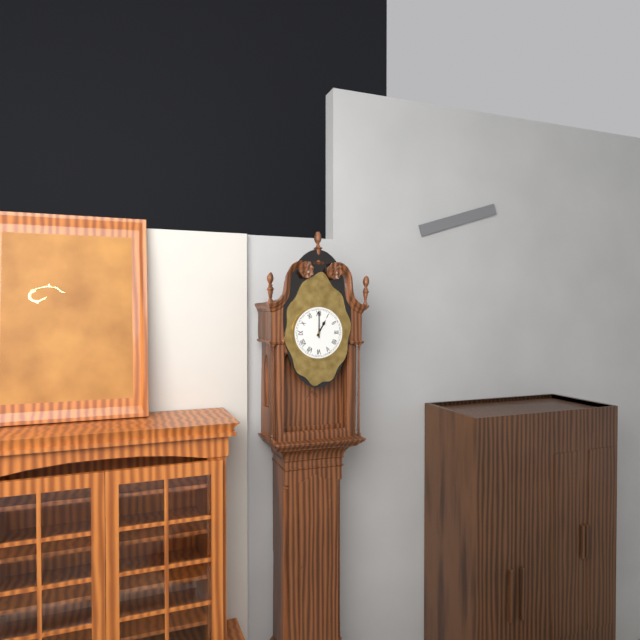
h=1 m=0
